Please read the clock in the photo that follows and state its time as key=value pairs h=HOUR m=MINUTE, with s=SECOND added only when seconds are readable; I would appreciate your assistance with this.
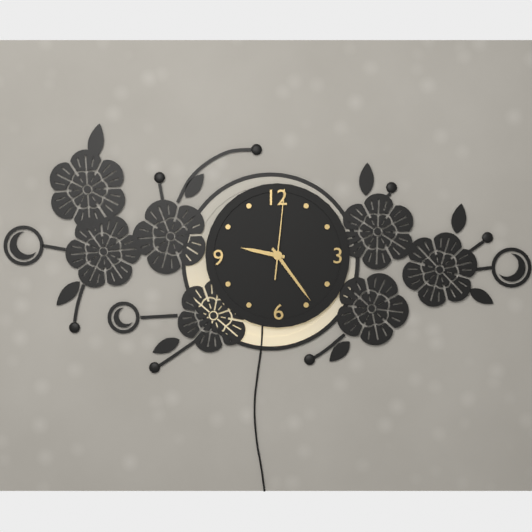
h=9 m=24 s=1
